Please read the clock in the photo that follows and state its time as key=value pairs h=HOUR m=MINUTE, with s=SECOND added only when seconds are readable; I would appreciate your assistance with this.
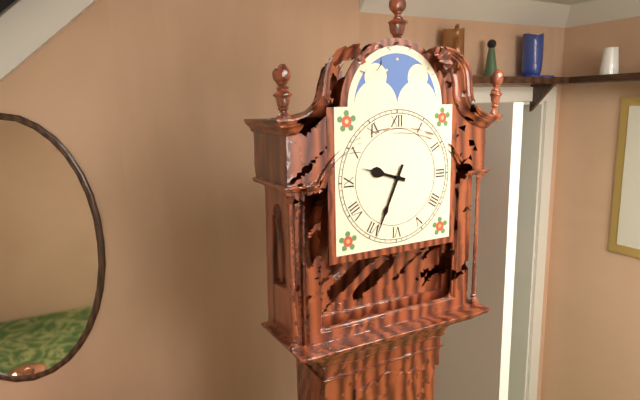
h=9 m=34
